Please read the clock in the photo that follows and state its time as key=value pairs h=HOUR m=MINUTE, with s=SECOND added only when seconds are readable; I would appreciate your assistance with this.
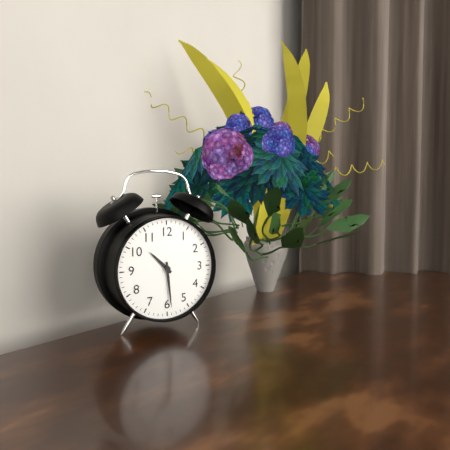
h=10 m=29
